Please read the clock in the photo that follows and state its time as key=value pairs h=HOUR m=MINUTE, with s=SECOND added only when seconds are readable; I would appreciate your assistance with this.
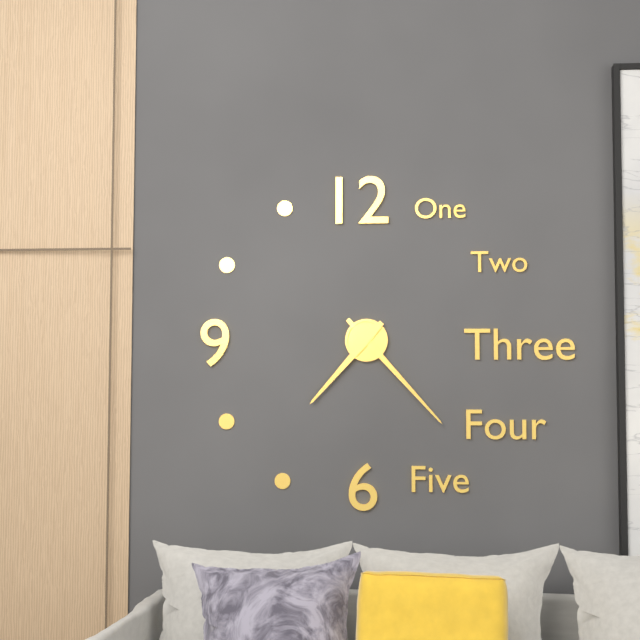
h=7 m=23
